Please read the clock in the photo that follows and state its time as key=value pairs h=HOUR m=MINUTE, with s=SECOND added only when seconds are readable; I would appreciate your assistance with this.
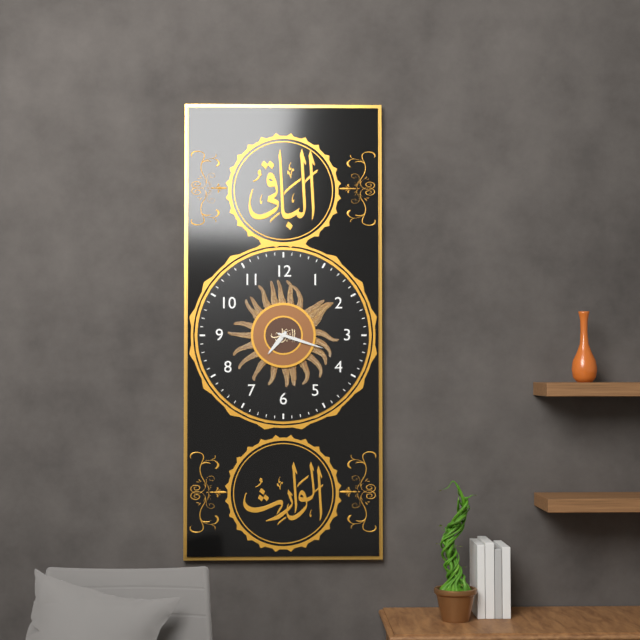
h=7 m=18
